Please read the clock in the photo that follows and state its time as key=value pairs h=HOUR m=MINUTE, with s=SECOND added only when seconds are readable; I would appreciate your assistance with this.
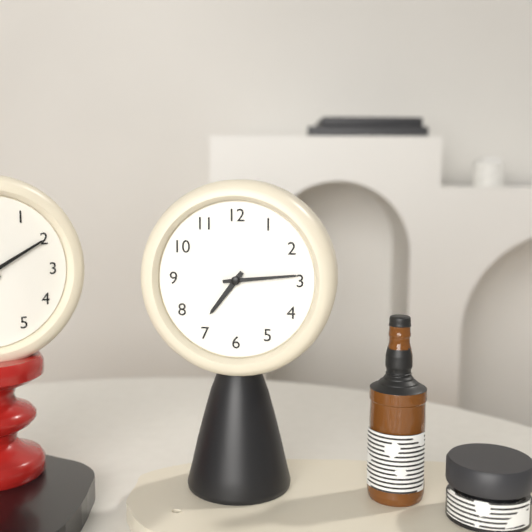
h=7 m=14
